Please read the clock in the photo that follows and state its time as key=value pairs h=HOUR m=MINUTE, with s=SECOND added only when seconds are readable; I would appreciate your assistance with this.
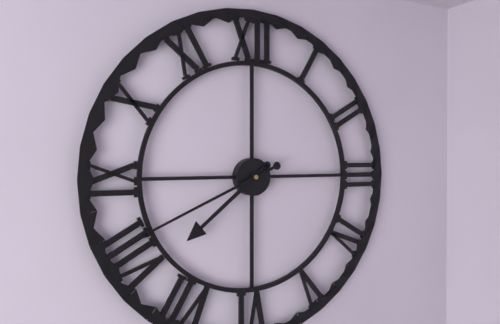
h=7 m=41
